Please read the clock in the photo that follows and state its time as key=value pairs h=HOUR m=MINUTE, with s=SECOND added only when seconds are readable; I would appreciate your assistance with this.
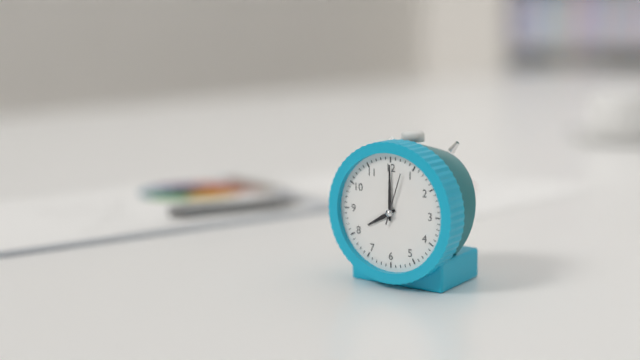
h=8 m=0
